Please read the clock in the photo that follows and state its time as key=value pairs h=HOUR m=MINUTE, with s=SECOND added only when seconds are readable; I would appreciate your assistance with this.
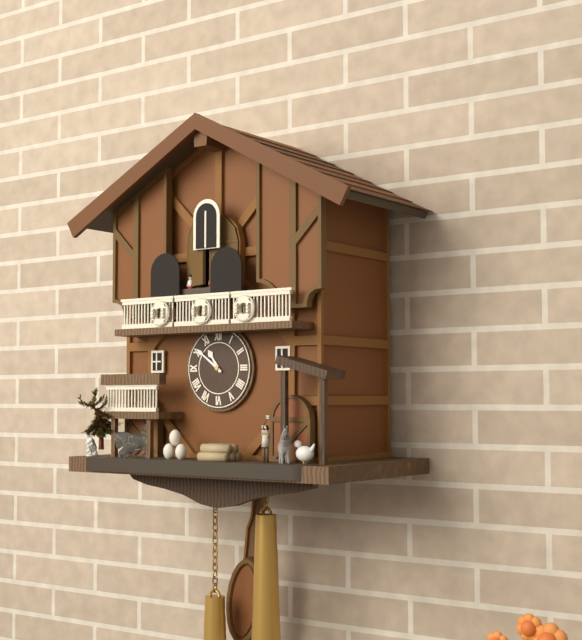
h=10 m=51
